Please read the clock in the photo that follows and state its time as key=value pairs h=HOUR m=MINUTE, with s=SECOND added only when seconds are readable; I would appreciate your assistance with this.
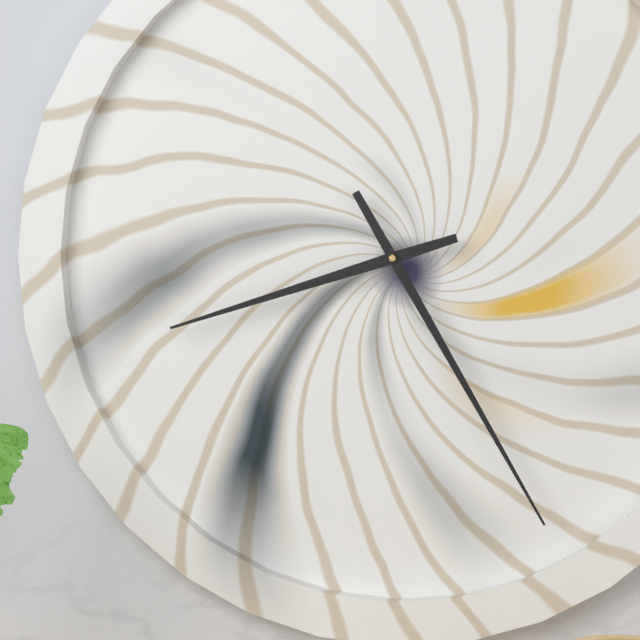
h=8 m=25
